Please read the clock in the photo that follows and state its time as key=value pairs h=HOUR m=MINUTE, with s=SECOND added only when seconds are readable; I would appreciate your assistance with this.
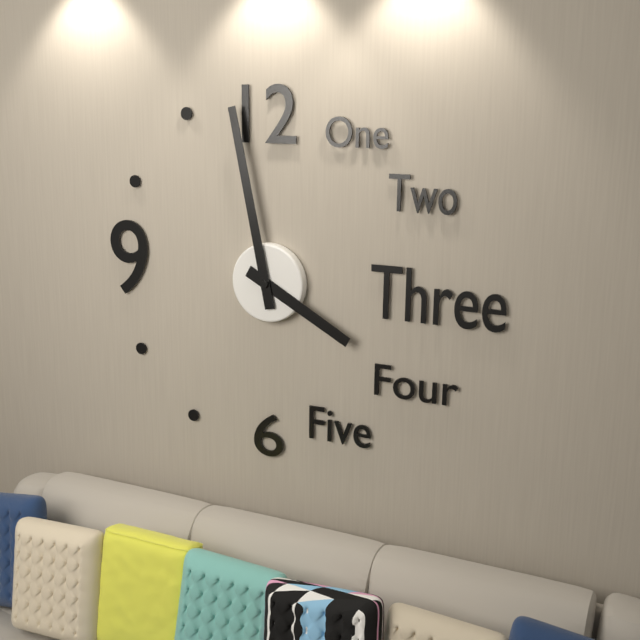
h=3 m=58
